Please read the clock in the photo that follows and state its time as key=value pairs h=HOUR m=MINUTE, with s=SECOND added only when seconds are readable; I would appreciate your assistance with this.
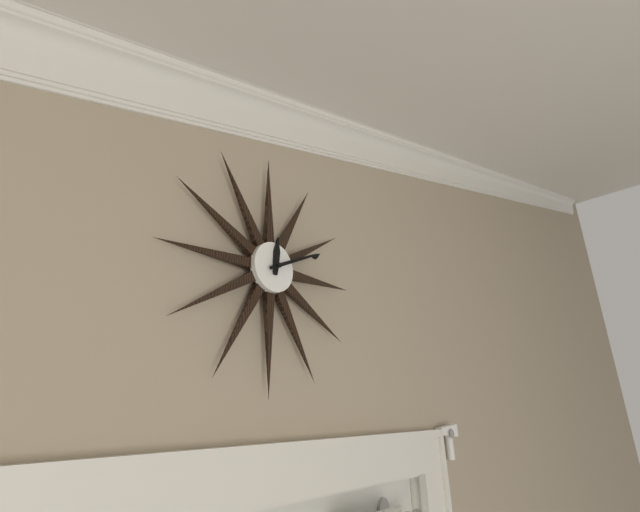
h=12 m=11
